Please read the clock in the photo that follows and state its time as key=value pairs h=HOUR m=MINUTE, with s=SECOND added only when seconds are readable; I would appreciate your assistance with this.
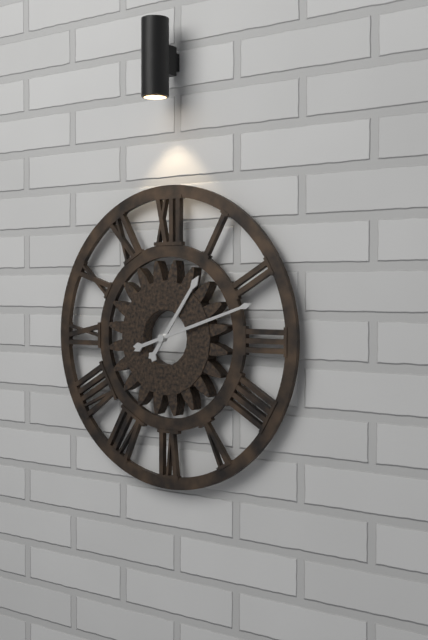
h=1 m=12
